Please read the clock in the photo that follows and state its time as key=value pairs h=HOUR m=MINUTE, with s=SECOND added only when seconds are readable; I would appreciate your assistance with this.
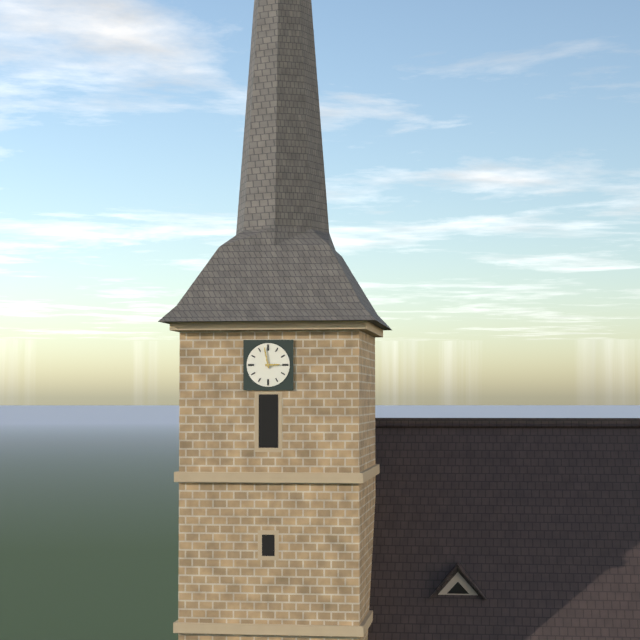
h=2 m=58
